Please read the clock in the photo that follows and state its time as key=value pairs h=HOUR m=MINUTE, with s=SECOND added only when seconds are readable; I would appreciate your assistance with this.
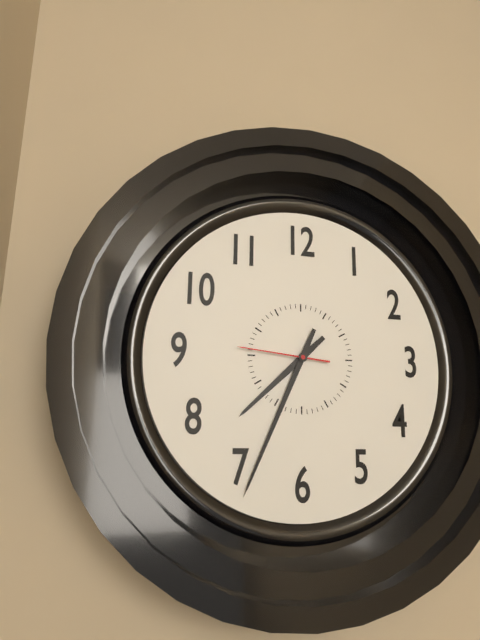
h=7 m=34 s=46
